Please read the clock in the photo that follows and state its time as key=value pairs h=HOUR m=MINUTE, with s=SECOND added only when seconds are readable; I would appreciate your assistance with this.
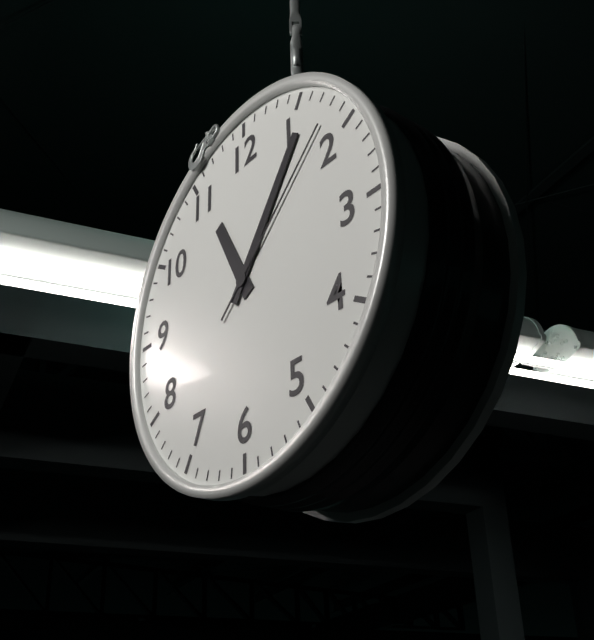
h=11 m=6 s=8
